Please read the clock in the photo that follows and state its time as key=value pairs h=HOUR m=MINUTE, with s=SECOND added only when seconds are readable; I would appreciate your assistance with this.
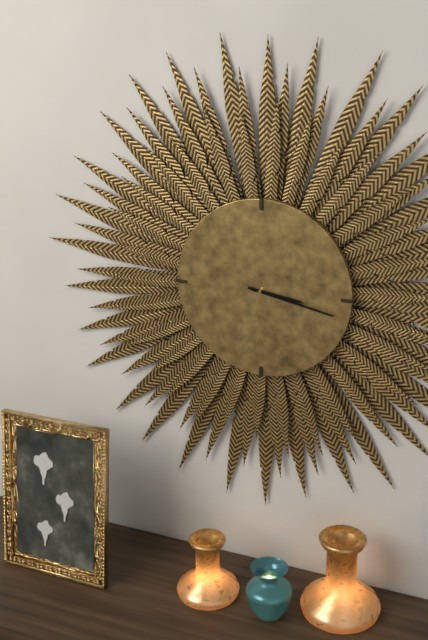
h=3 m=17
